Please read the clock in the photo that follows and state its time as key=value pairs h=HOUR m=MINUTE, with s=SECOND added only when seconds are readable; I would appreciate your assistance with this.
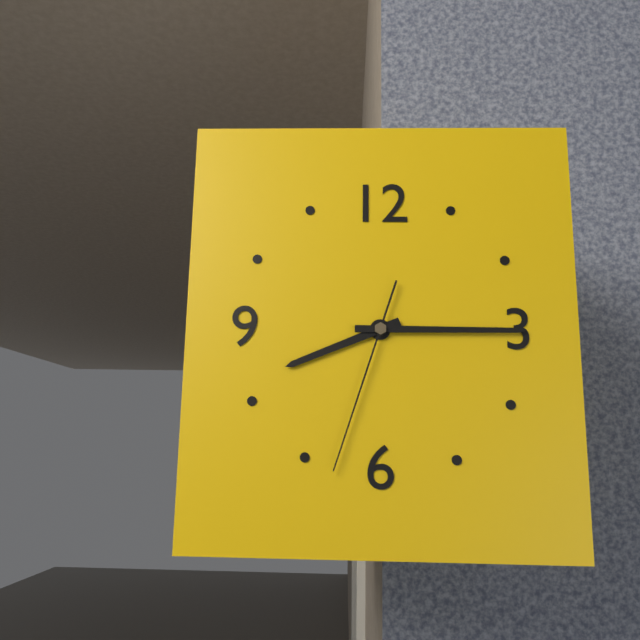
h=8 m=15 s=33
